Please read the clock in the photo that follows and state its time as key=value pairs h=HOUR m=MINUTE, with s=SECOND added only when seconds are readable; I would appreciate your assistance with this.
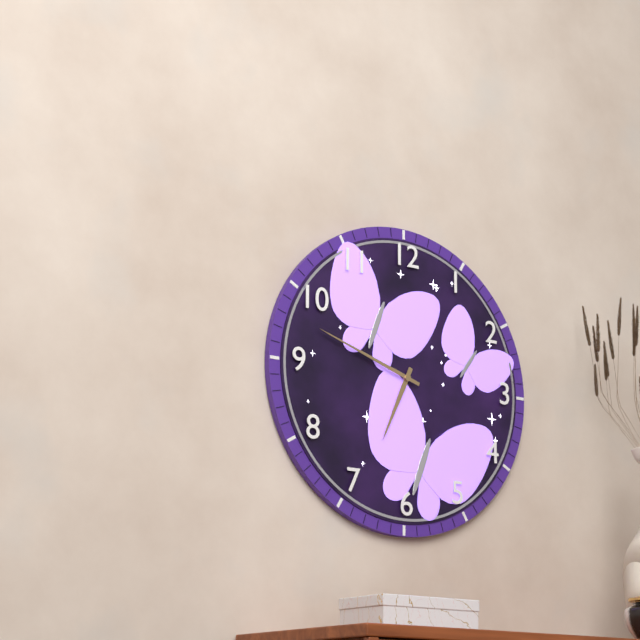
h=6 m=48
